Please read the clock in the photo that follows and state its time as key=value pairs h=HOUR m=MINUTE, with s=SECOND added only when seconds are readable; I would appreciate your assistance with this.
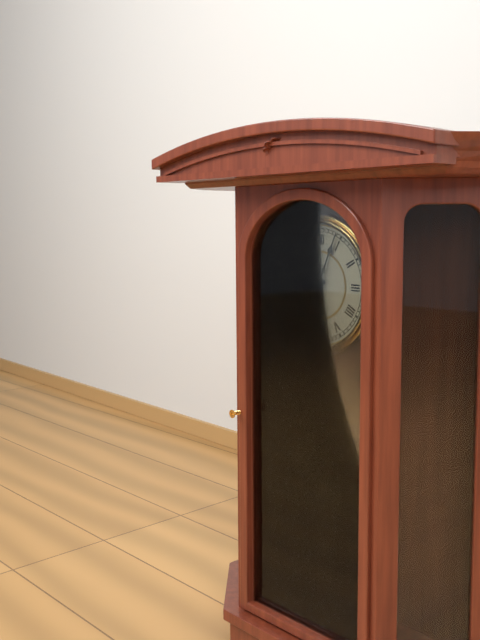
h=8 m=4
